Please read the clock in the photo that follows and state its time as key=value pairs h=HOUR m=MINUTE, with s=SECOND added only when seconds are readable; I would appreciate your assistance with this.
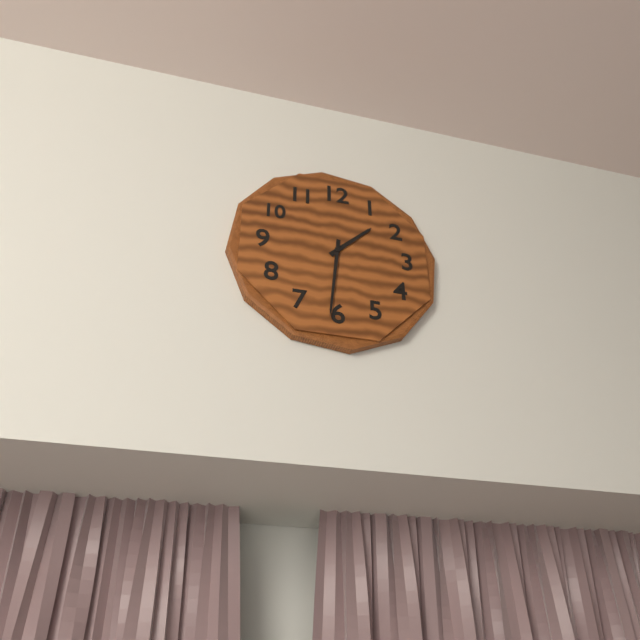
h=1 m=31
